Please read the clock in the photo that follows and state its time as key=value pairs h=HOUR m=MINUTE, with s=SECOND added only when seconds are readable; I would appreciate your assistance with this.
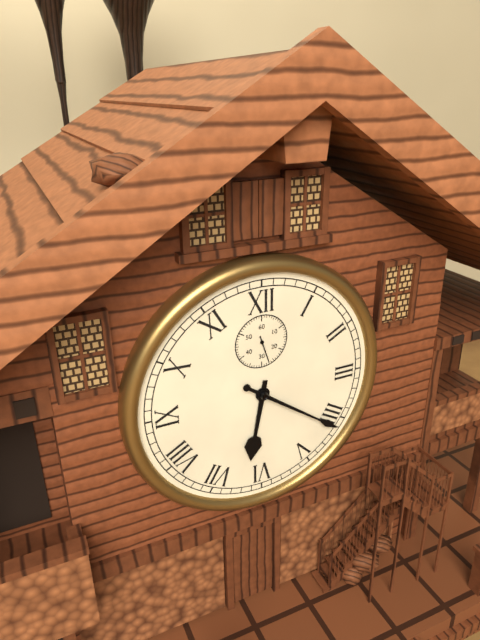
h=6 m=21
